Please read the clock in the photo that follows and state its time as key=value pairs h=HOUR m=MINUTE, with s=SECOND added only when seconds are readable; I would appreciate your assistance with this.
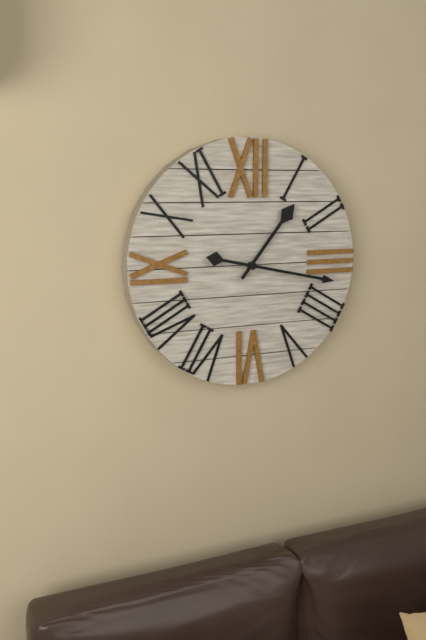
h=1 m=17
